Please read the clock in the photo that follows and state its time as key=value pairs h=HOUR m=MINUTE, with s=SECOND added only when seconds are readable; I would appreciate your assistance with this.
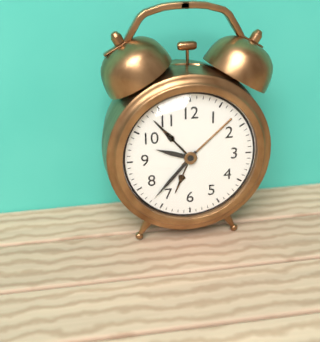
h=9 m=37
